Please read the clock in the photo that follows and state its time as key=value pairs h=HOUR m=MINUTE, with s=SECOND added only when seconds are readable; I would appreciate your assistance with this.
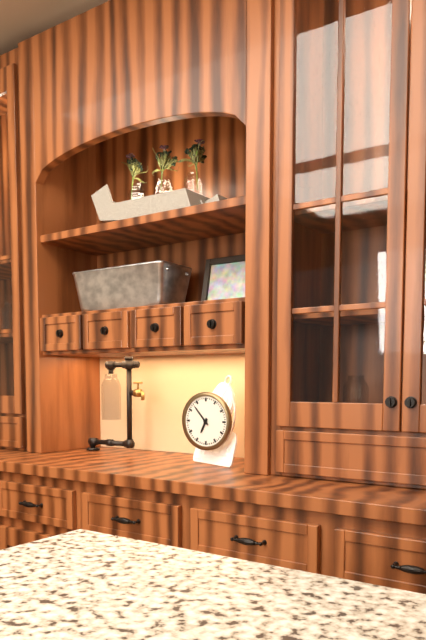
h=6 m=53
